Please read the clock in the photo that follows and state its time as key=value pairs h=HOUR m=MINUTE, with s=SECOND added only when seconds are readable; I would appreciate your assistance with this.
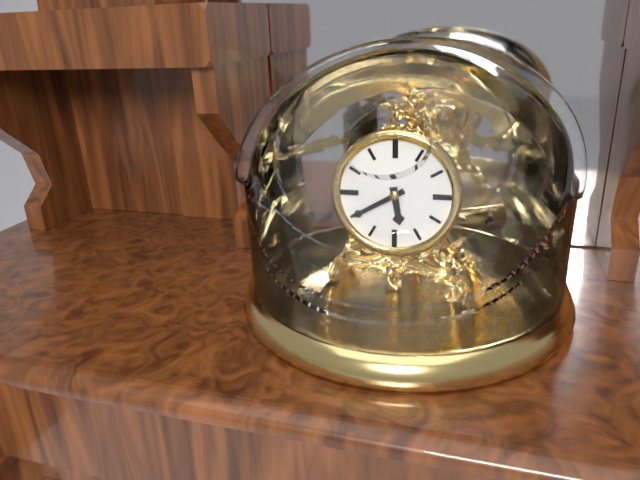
h=5 m=40
